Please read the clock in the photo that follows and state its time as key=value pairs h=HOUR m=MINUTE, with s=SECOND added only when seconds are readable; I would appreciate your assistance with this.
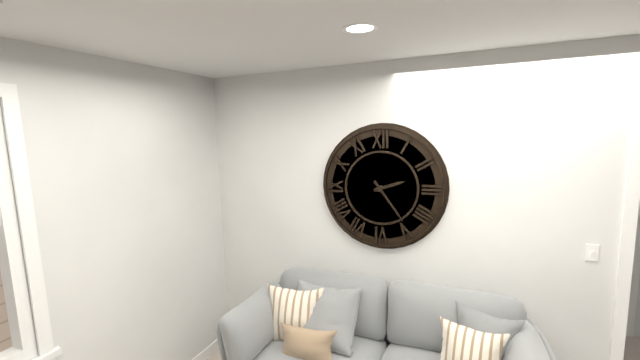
h=2 m=24
